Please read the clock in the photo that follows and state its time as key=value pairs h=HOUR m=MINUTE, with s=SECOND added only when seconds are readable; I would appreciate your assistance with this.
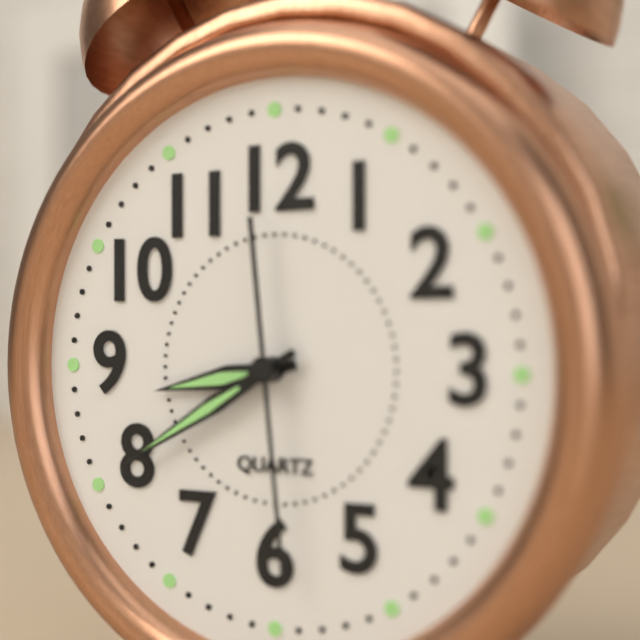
h=8 m=40 s=29
